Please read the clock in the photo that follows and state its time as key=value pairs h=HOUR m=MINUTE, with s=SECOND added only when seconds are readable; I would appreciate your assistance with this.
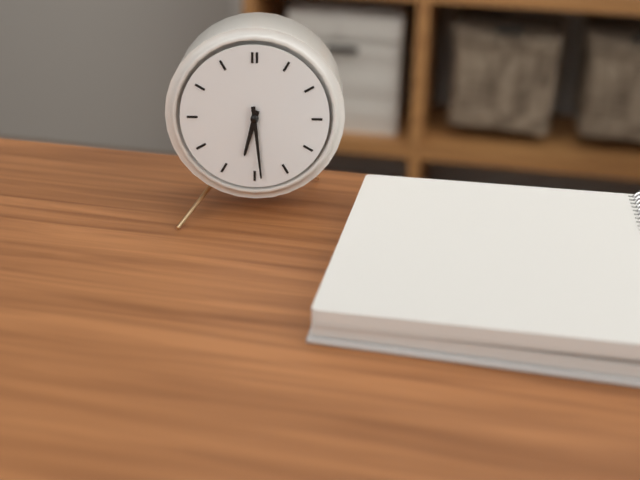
h=6 m=29
